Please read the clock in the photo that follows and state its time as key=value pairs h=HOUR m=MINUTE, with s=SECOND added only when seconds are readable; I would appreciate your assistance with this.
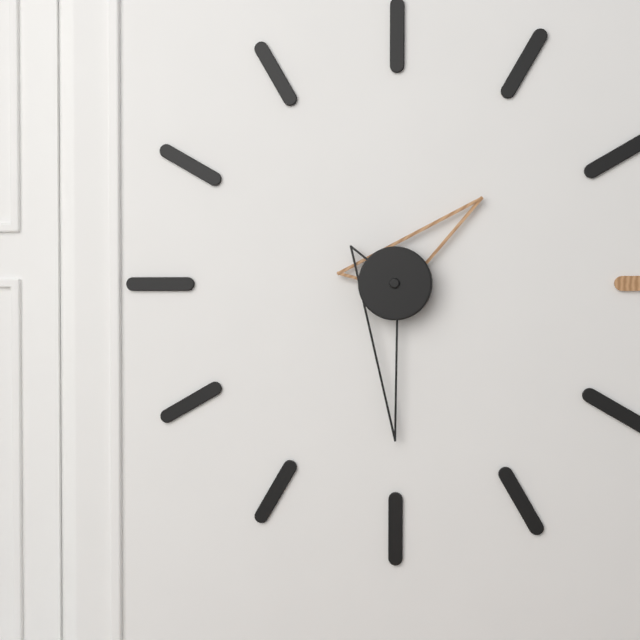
h=1 m=30
